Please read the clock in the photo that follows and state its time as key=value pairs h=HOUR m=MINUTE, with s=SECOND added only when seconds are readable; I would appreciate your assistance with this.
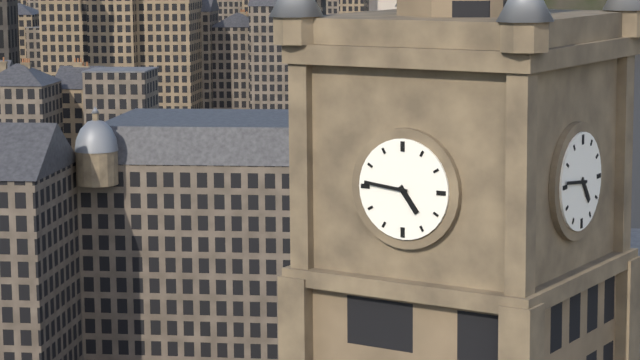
h=4 m=46
